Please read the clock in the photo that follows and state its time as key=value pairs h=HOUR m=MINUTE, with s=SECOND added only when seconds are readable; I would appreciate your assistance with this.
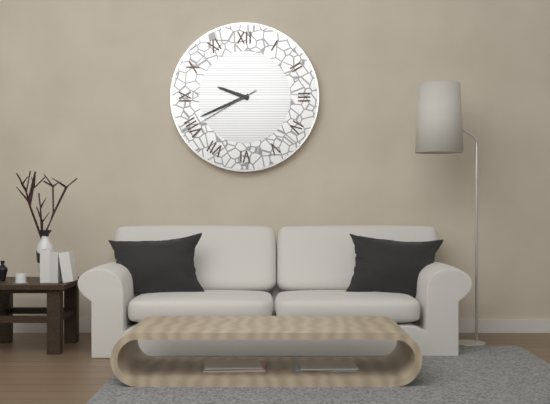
h=9 m=41 s=40
